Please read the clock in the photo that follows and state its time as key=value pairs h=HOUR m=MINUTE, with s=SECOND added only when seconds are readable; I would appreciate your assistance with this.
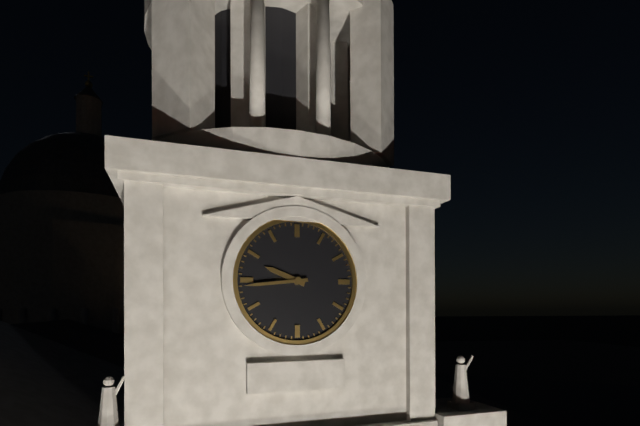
h=9 m=44
